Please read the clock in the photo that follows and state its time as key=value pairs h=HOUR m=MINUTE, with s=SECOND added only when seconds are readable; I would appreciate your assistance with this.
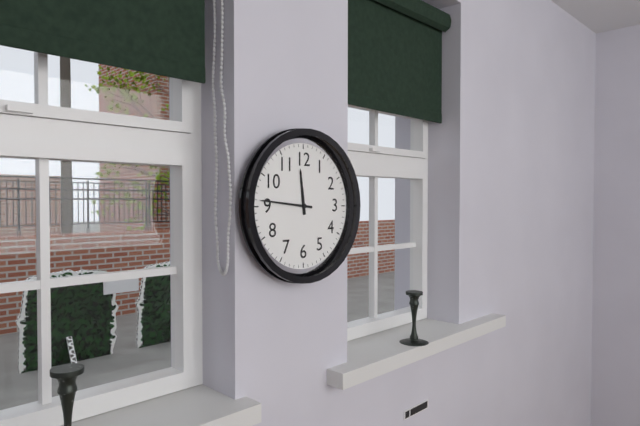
h=11 m=46
